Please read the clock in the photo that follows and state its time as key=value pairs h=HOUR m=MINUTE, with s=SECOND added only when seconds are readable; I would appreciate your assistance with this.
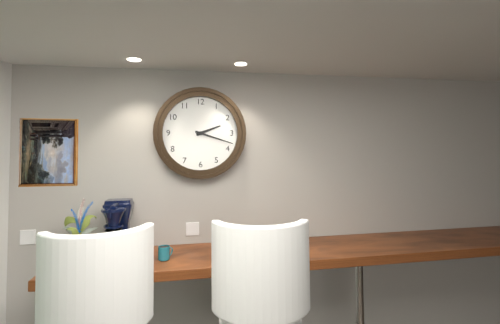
h=2 m=18
